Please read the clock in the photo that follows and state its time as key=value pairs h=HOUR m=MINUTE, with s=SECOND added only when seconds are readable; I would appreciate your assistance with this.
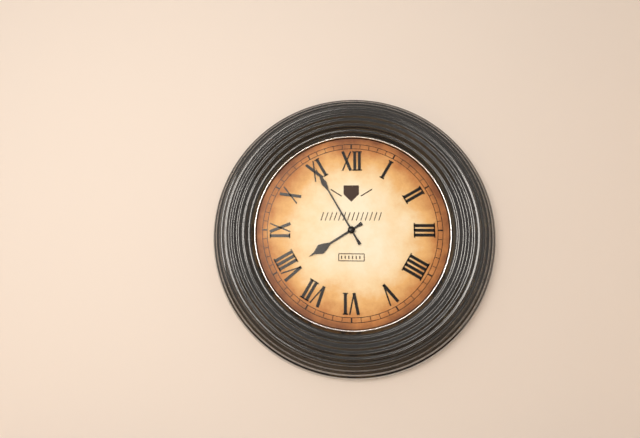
h=7 m=55
